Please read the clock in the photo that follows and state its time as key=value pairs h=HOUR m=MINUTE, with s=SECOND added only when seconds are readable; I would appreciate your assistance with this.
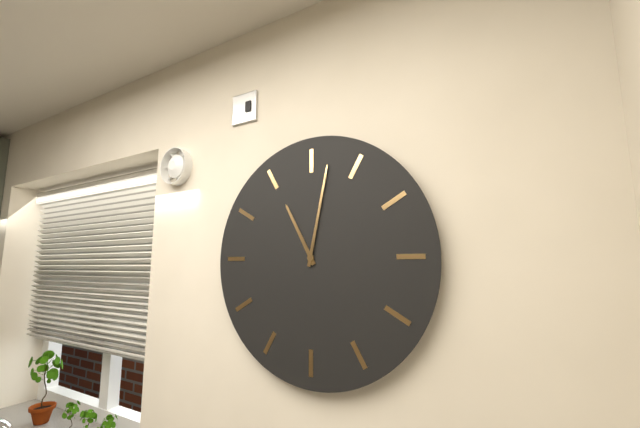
h=11 m=2
